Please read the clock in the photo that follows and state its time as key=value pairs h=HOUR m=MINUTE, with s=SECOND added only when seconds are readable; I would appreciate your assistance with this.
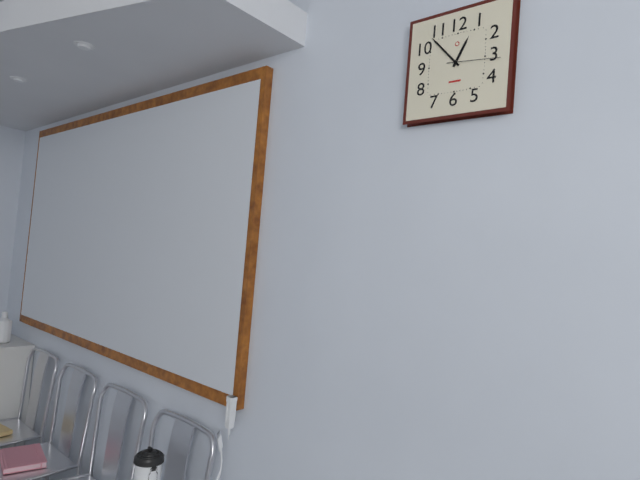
h=12 m=53 s=16
